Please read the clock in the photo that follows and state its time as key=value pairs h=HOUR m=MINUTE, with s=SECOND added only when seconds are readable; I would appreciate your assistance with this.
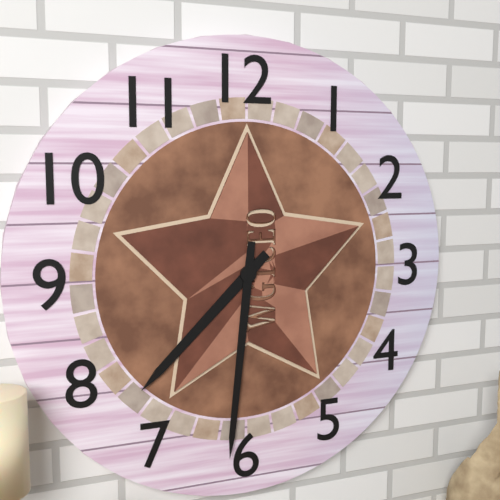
h=7 m=31
